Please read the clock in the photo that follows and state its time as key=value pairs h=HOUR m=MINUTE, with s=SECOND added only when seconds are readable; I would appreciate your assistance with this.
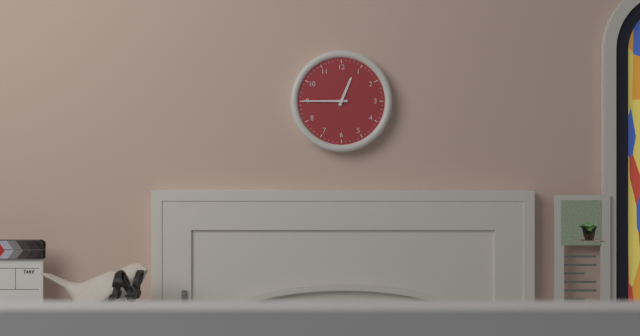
h=12 m=45
